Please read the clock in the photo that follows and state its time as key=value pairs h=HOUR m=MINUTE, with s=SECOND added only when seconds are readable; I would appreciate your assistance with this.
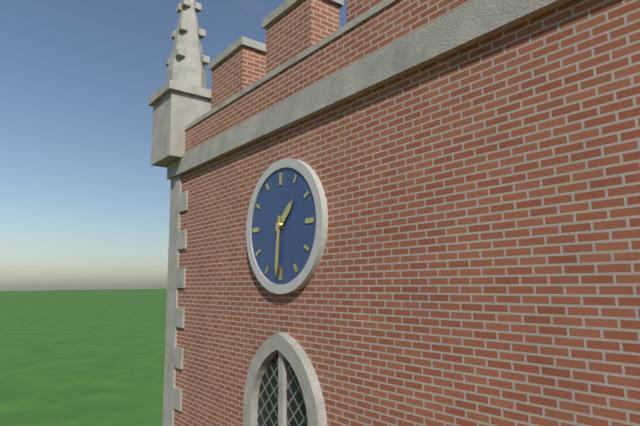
h=1 m=31
